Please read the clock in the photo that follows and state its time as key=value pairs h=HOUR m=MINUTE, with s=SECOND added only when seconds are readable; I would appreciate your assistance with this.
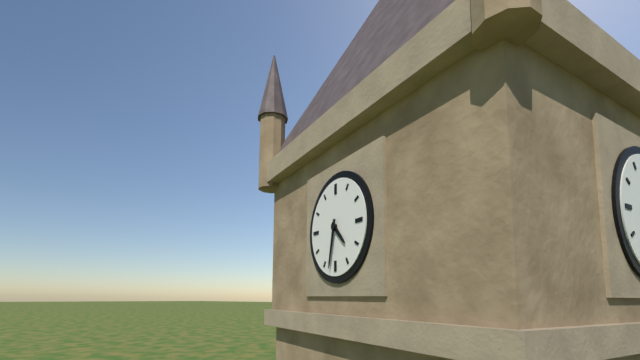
h=4 m=32
